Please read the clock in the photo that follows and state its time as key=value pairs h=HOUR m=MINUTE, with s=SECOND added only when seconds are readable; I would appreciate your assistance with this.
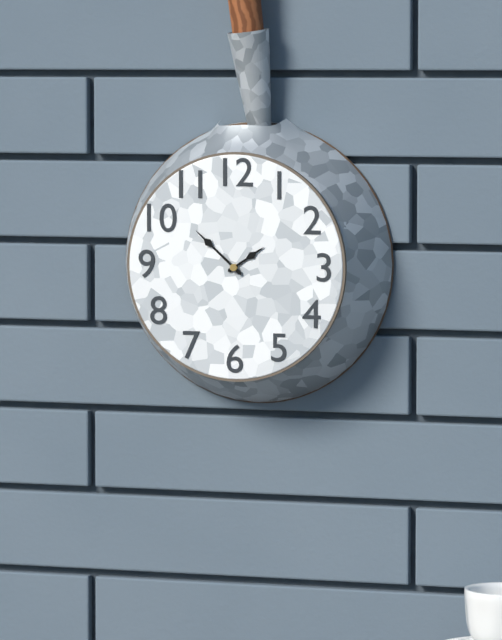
h=1 m=52
